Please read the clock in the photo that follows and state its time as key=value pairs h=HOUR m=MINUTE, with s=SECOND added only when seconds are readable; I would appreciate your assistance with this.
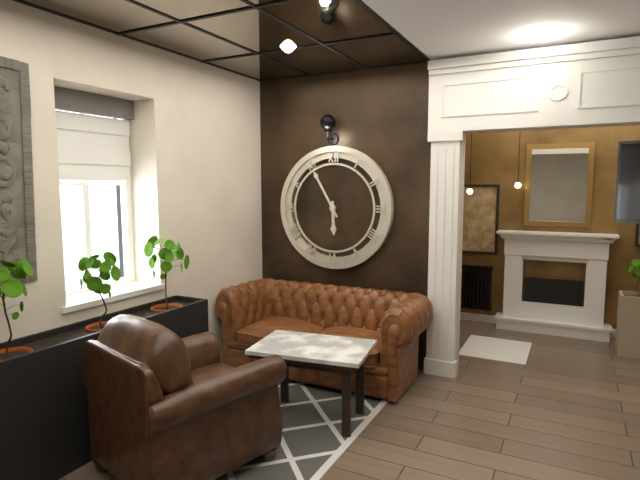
h=5 m=55
